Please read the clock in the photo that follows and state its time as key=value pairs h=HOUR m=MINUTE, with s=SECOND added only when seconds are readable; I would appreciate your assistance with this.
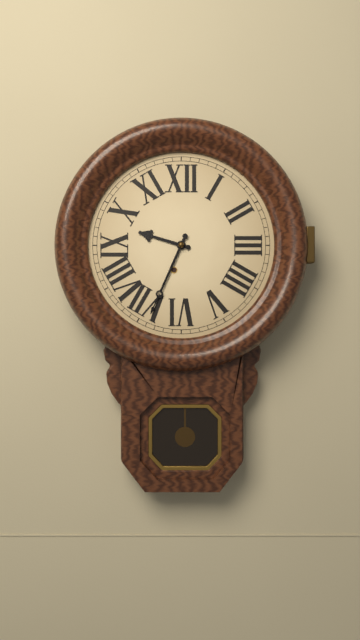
h=9 m=34
